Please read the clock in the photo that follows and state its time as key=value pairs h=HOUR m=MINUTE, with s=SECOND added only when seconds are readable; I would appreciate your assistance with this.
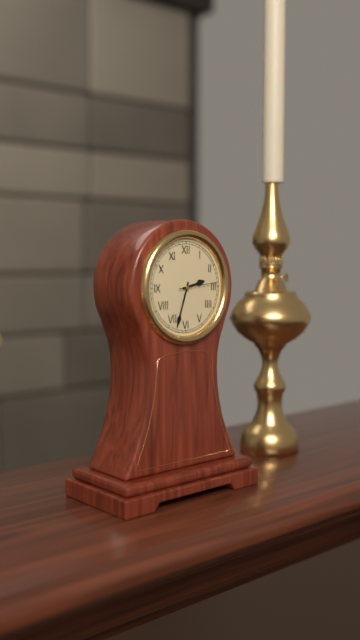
h=2 m=33 s=14
